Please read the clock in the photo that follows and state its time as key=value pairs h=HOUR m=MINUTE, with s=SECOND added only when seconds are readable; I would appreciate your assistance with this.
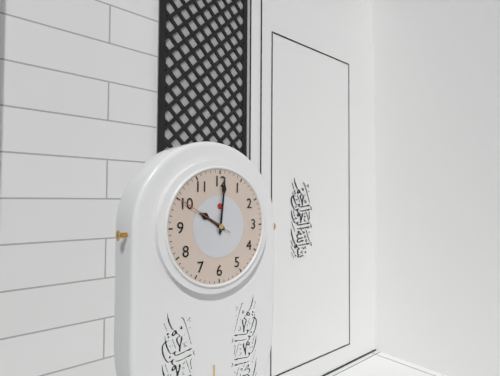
h=10 m=1 s=50
